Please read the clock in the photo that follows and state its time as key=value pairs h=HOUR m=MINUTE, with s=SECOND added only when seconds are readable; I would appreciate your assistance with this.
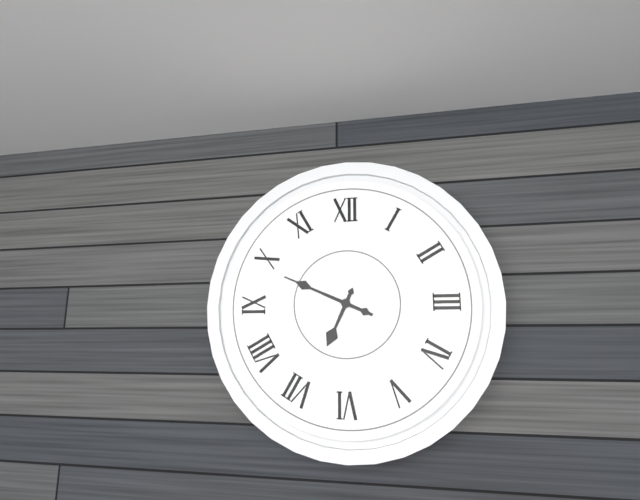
h=6 m=49
